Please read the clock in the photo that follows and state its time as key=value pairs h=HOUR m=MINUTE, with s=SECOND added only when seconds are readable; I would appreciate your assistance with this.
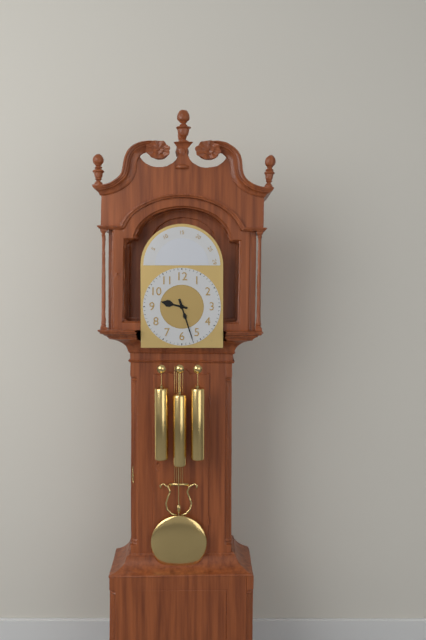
h=9 m=27
